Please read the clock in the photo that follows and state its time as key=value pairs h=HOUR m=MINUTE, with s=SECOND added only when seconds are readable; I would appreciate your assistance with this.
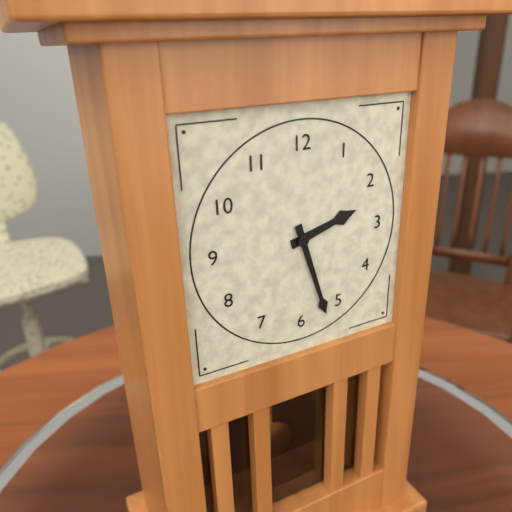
h=2 m=27
